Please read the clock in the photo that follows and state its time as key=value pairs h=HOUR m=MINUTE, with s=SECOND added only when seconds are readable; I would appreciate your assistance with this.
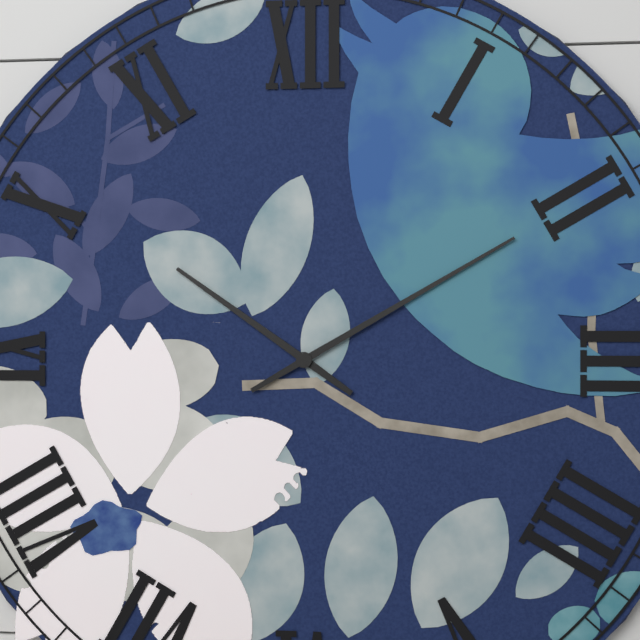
h=10 m=10
